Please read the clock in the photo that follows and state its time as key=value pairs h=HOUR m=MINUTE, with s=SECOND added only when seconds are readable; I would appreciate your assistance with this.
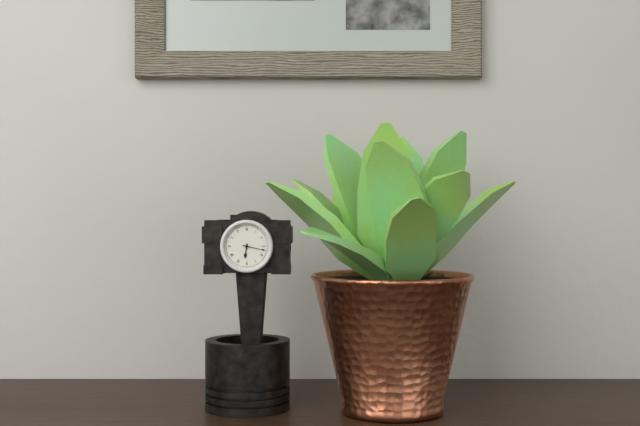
h=6 m=17
